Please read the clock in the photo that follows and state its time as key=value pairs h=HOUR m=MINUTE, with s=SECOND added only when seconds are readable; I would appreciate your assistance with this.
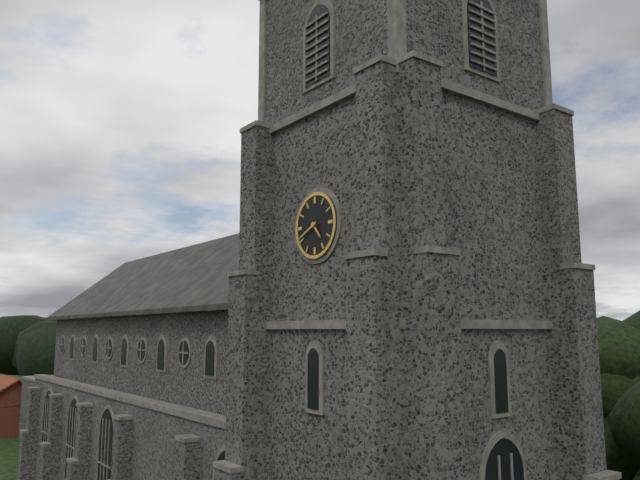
h=4 m=41
